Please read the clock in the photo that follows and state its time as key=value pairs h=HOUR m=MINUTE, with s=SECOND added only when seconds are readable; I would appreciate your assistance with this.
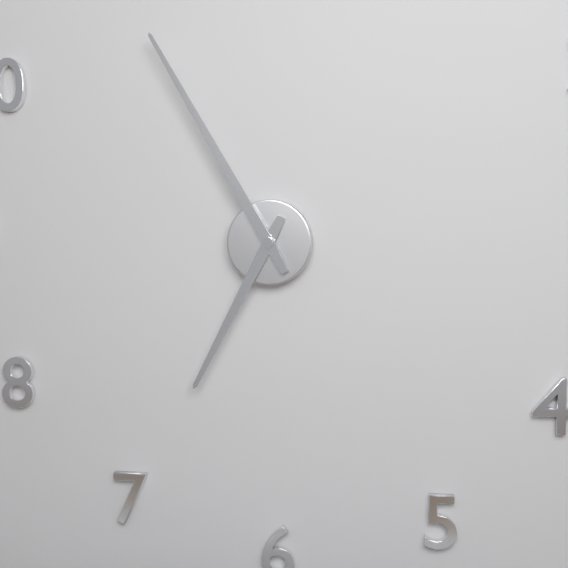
h=6 m=55
